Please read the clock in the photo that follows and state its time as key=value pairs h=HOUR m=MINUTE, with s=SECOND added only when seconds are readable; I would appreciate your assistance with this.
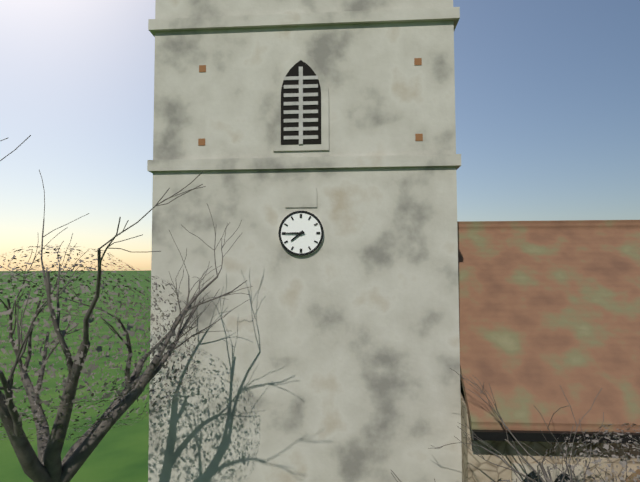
h=7 m=45
